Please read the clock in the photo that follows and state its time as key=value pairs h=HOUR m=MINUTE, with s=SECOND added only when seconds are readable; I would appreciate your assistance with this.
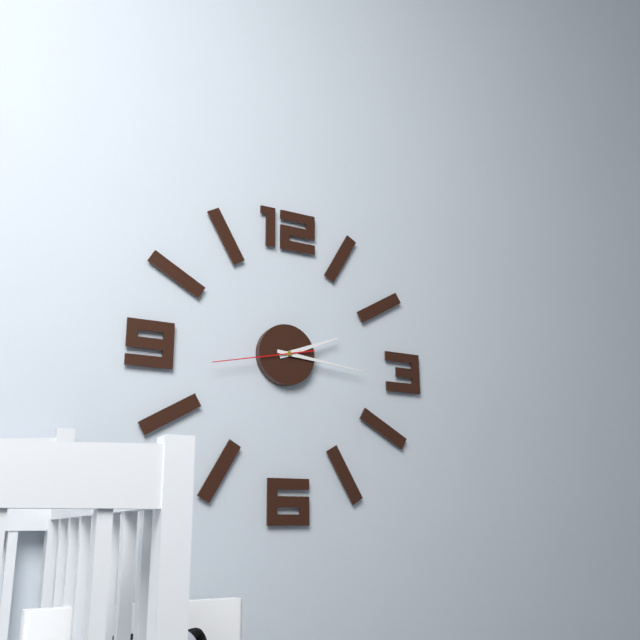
h=2 m=16 s=43
